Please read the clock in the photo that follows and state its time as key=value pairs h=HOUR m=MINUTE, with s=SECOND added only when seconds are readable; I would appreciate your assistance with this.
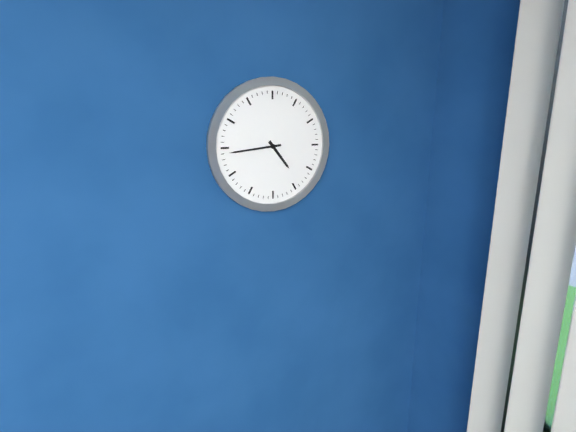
h=4 m=44
